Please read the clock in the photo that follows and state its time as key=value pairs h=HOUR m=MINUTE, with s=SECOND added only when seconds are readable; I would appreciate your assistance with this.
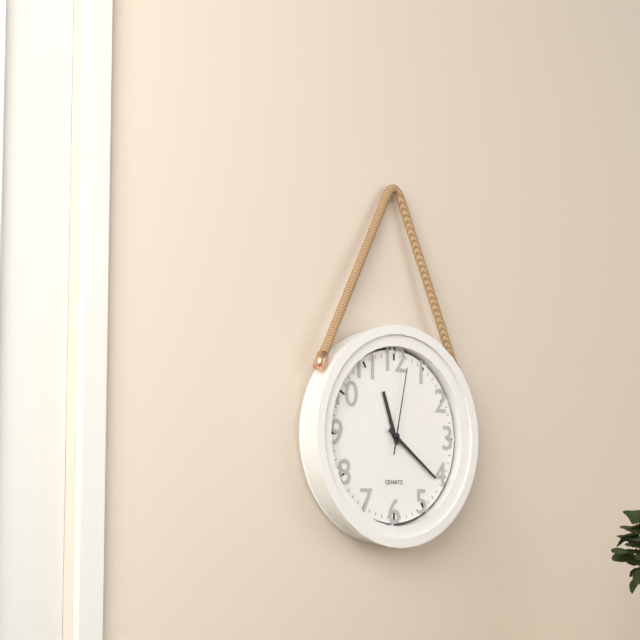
h=11 m=21 s=2
